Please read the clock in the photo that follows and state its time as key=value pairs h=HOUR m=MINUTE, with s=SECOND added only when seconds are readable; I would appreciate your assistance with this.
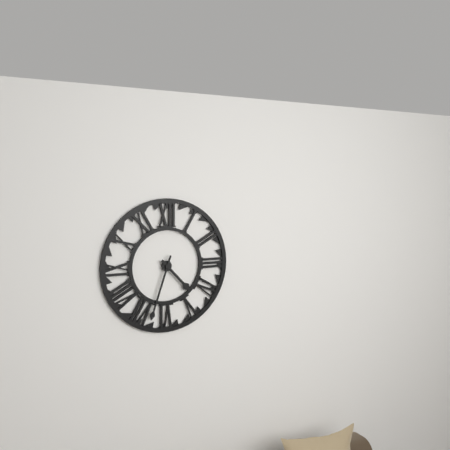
h=4 m=33
